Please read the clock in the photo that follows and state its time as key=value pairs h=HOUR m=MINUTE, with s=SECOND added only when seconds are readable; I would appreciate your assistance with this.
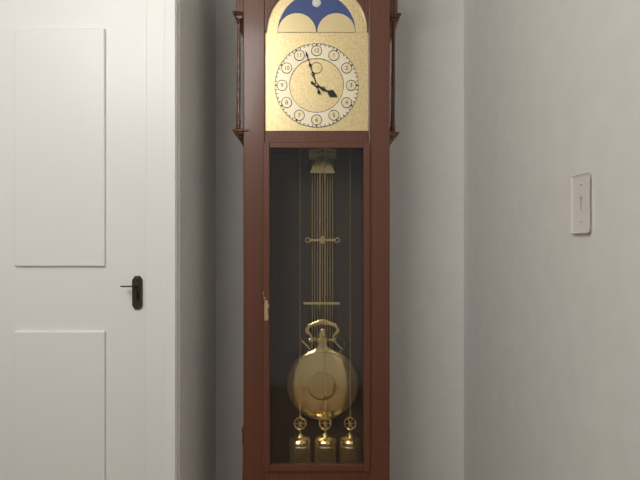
h=3 m=57
